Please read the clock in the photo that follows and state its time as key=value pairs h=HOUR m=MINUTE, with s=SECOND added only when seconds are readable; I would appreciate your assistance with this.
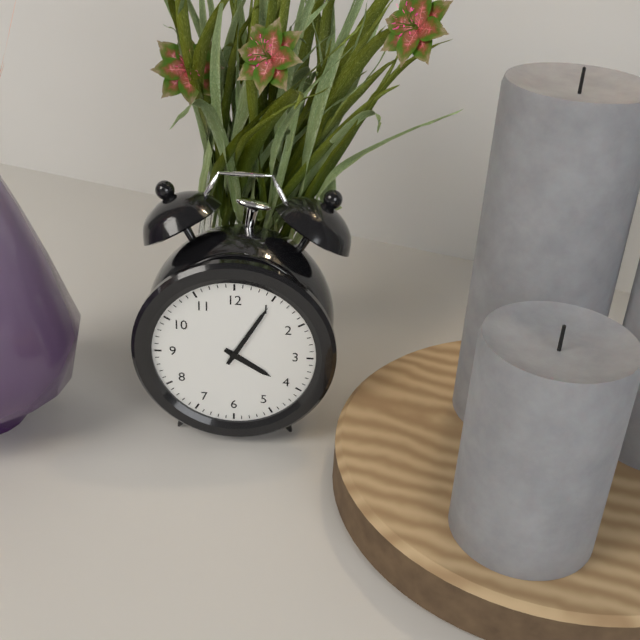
h=4 m=5
